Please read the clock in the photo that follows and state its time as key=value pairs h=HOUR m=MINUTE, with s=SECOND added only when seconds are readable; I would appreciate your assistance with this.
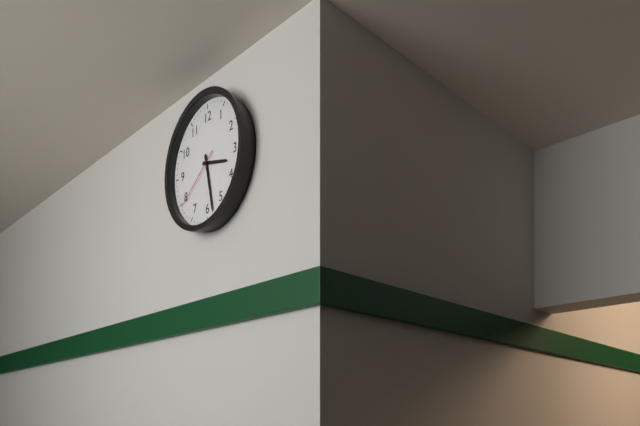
h=3 m=28 s=39
